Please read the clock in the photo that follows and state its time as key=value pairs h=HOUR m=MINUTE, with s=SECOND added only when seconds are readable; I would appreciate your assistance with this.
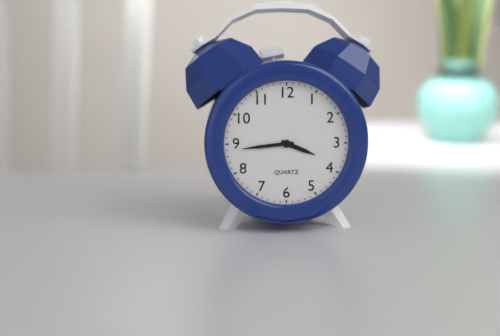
h=3 m=44
